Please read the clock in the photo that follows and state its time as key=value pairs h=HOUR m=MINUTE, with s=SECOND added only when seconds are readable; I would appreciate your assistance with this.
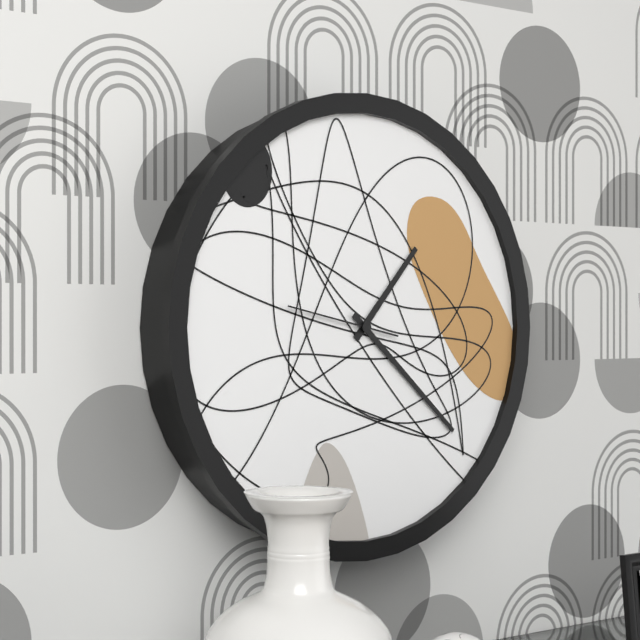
h=1 m=22 s=47
